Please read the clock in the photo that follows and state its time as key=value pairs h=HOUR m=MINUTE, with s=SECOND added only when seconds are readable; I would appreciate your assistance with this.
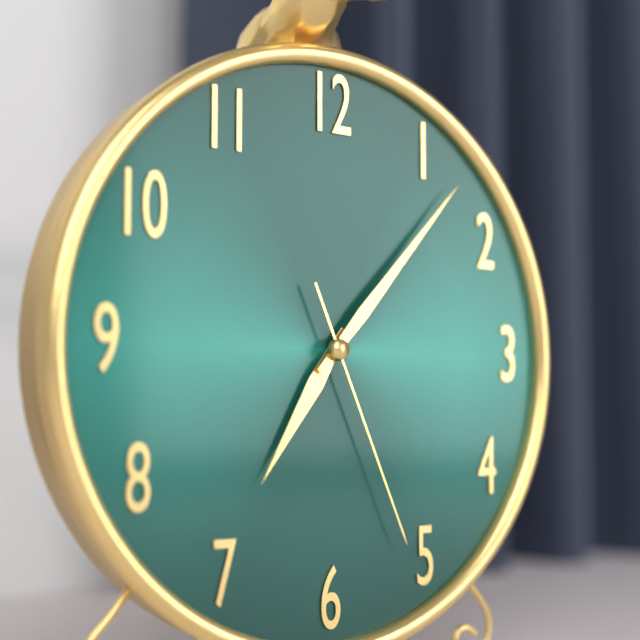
h=7 m=7 s=26
